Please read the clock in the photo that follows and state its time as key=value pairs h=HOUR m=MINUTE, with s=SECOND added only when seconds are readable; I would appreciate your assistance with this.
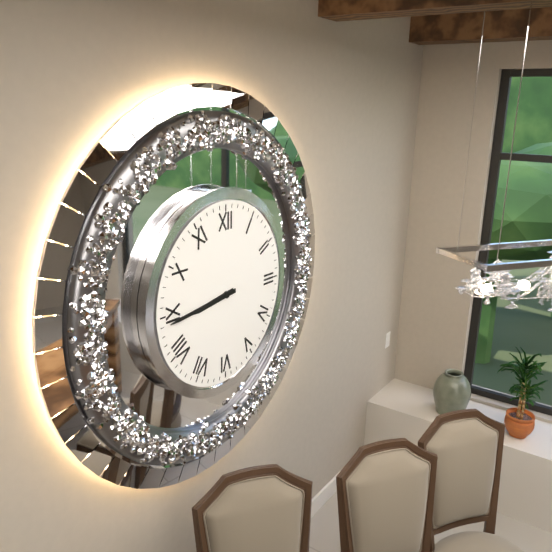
h=8 m=44
